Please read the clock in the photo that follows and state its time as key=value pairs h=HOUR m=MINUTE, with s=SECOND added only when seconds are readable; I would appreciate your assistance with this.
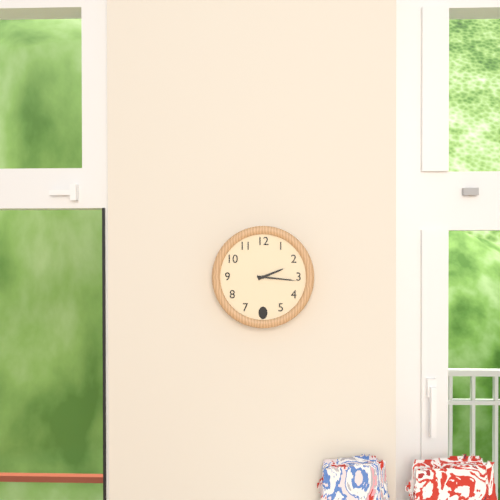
h=2 m=16
